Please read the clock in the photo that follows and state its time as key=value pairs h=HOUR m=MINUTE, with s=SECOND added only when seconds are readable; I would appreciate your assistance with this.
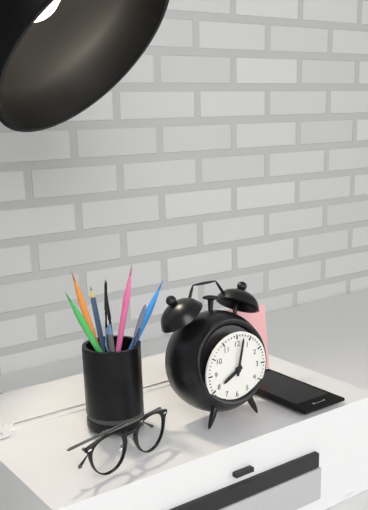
h=8 m=2
